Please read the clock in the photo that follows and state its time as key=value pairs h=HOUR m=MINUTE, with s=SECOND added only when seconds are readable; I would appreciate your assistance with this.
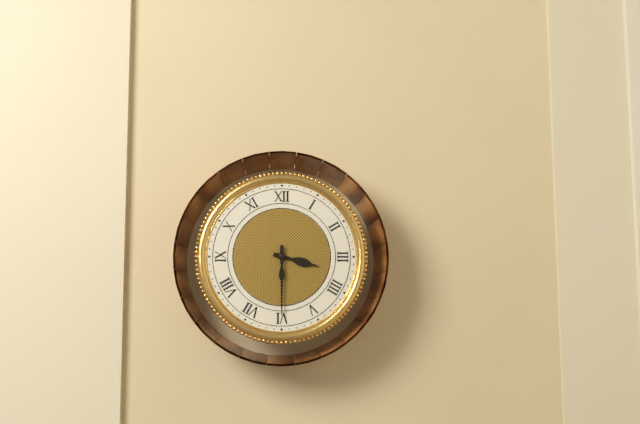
h=3 m=30
